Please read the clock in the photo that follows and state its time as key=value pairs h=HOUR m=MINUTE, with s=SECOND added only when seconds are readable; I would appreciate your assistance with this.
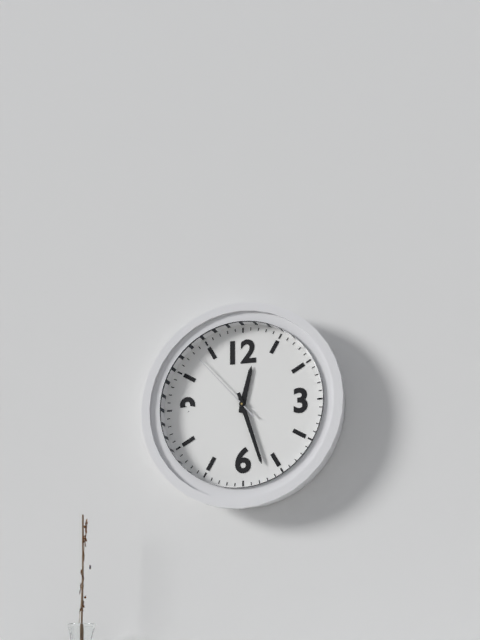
h=12 m=27 s=53
